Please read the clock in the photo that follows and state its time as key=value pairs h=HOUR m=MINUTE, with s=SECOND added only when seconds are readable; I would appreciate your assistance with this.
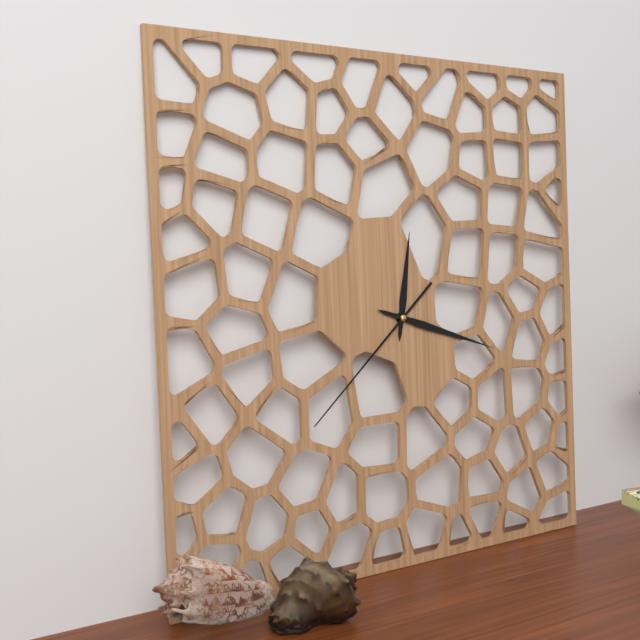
h=12 m=18 s=38
